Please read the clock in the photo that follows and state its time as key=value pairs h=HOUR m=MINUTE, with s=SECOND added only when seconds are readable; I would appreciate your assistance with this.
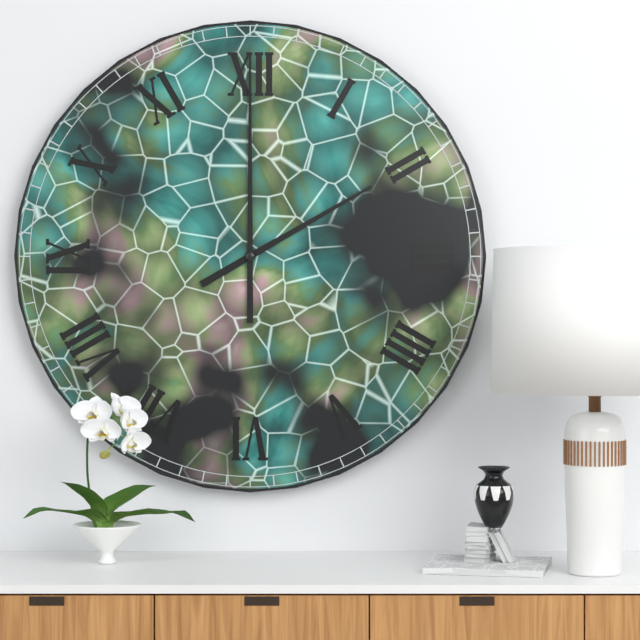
h=2 m=0
